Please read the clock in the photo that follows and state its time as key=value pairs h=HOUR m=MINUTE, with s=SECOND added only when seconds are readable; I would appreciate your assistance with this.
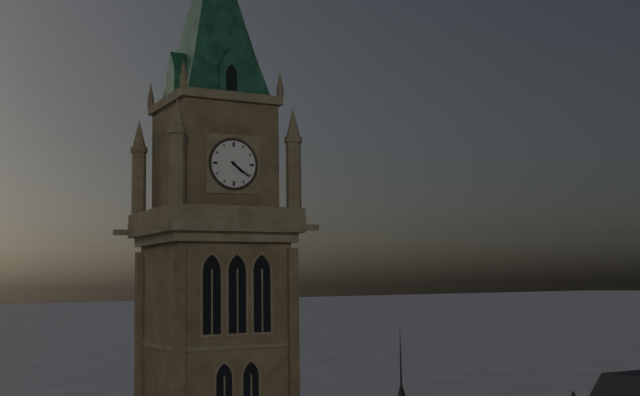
h=4 m=21
